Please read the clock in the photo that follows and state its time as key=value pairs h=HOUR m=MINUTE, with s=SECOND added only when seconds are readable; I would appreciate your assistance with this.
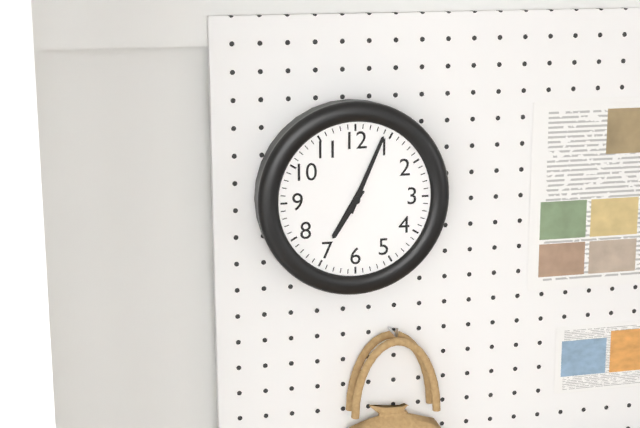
h=7 m=4
